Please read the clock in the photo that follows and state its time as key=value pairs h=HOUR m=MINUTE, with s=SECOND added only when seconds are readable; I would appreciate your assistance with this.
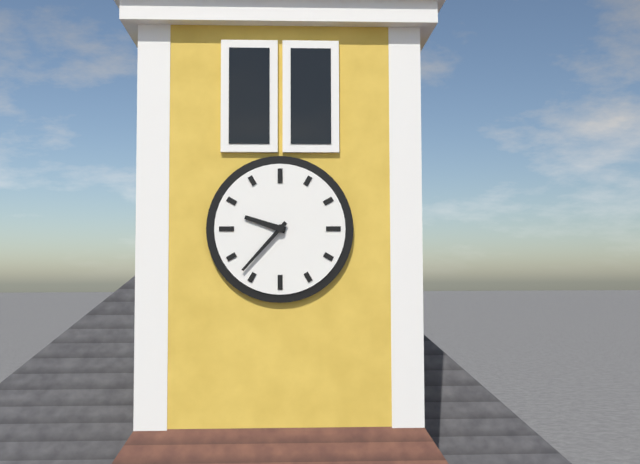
h=9 m=37
